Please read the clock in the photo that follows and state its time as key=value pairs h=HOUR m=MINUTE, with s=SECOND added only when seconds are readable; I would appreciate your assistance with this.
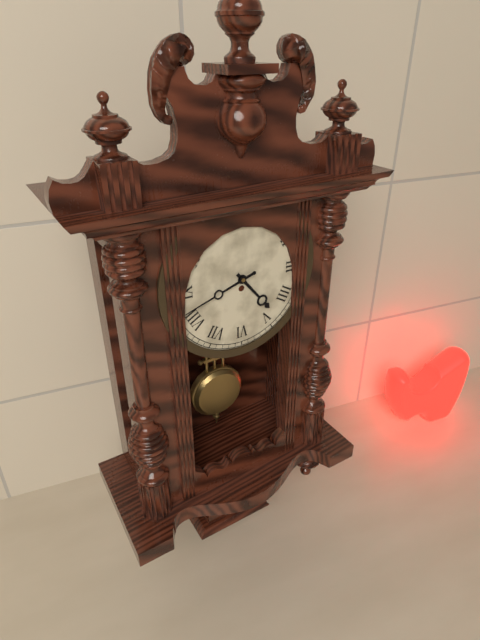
h=4 m=42
